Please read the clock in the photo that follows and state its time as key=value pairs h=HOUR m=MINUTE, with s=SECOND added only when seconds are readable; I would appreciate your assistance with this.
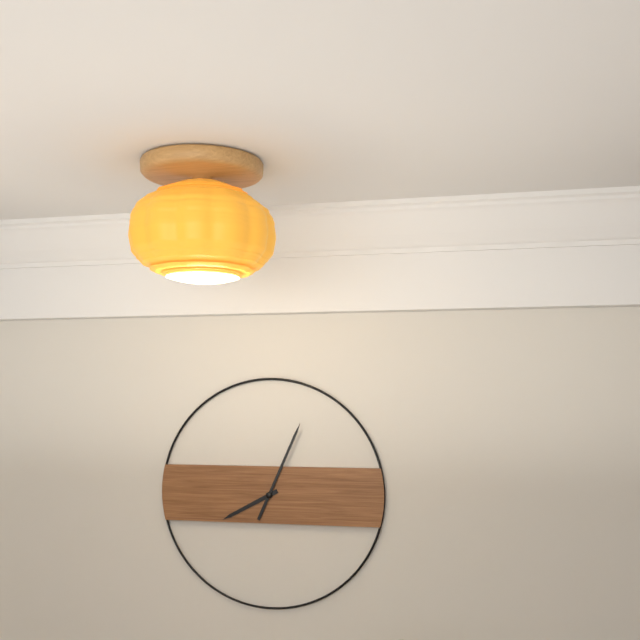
h=8 m=4
